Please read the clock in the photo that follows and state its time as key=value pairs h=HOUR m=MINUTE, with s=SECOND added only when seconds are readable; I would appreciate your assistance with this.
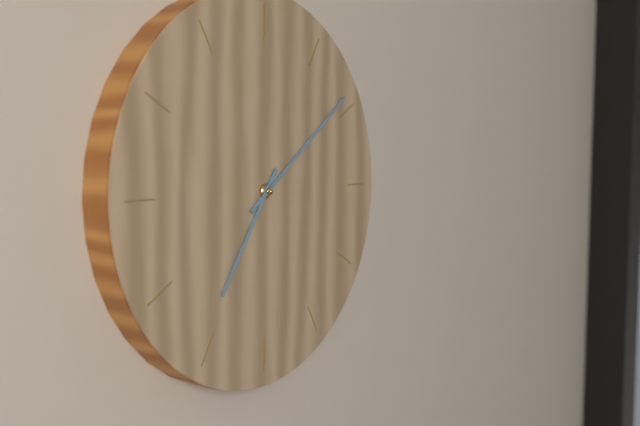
h=7 m=9
